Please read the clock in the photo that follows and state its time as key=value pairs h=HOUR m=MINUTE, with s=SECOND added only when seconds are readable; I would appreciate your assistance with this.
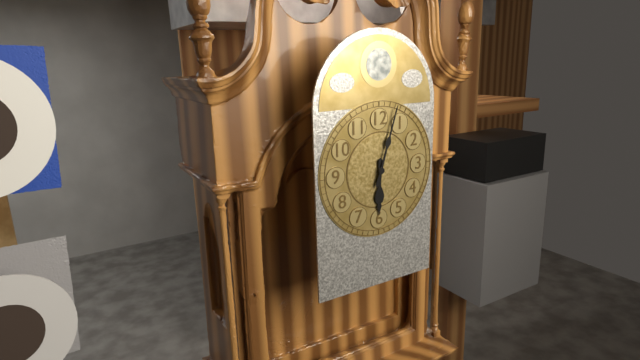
h=6 m=3
